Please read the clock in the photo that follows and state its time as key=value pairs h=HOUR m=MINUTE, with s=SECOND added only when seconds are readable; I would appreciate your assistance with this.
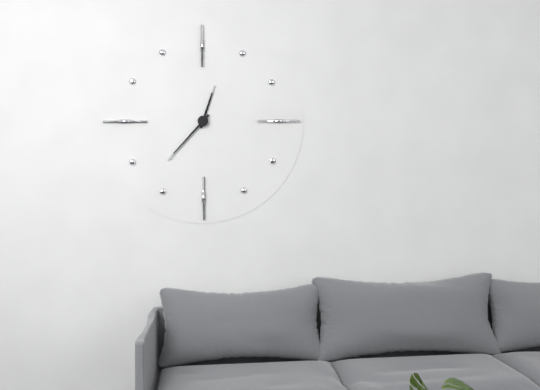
h=12 m=37
